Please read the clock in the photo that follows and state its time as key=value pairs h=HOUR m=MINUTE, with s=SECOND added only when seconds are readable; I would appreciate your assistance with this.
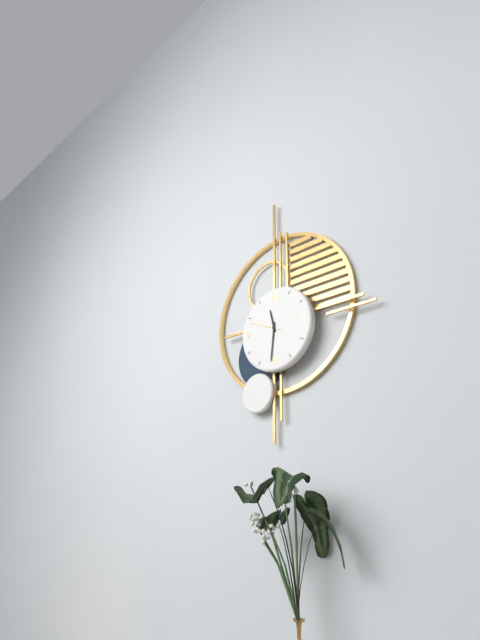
h=11 m=31
